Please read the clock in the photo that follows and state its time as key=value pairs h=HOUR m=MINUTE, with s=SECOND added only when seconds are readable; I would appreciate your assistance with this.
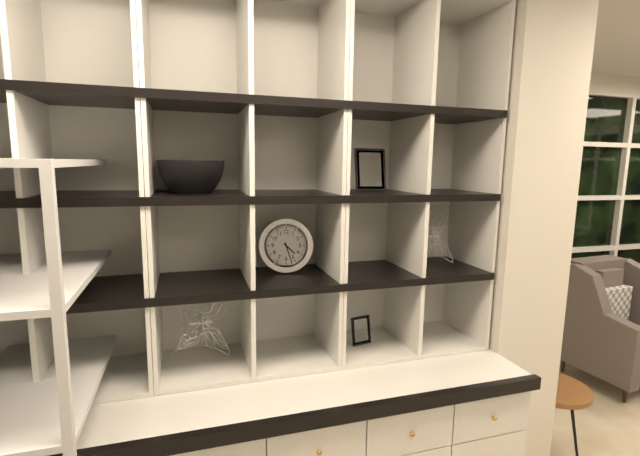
h=4 m=27
